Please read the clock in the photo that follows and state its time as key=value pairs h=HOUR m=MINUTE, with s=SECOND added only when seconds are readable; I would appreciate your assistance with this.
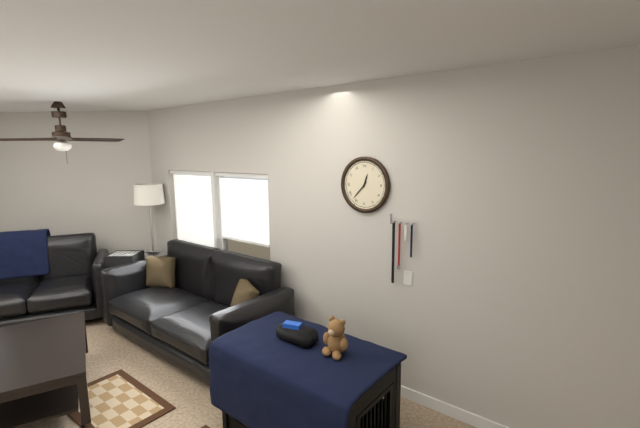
h=12 m=37
